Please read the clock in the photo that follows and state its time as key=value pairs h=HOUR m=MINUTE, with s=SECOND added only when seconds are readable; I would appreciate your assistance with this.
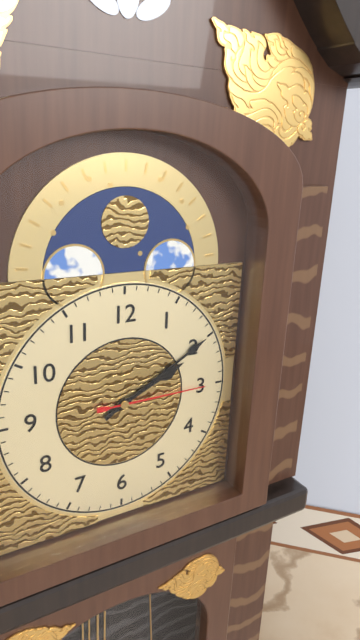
h=2 m=10 s=15
